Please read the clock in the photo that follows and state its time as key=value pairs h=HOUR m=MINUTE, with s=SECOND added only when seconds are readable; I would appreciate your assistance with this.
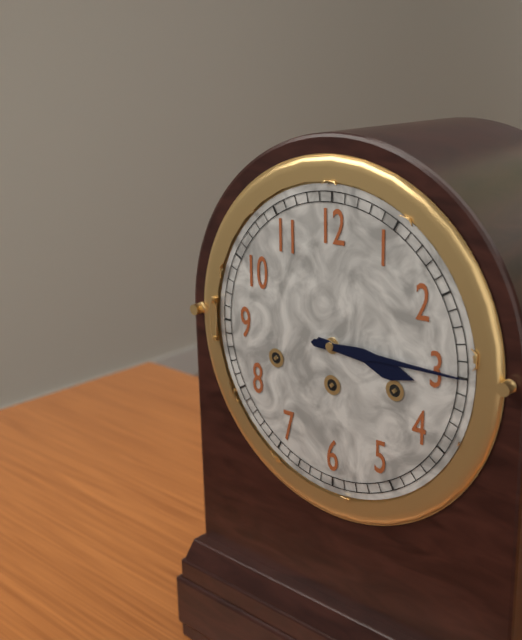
h=3 m=15
